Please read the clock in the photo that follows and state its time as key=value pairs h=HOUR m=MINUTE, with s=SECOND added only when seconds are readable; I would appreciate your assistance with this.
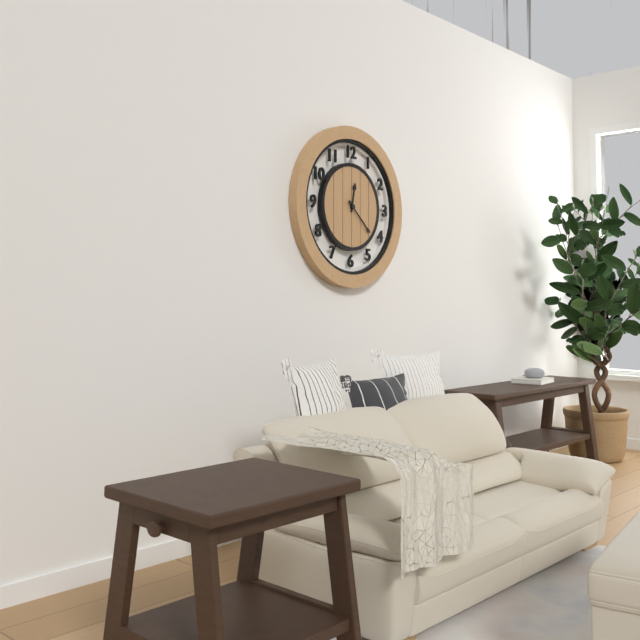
h=12 m=22
